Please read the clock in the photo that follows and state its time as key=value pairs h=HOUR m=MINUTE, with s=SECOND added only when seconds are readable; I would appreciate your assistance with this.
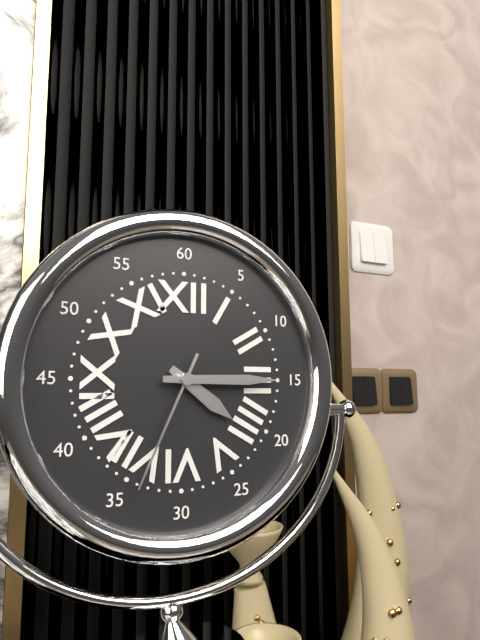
h=4 m=15 s=34
